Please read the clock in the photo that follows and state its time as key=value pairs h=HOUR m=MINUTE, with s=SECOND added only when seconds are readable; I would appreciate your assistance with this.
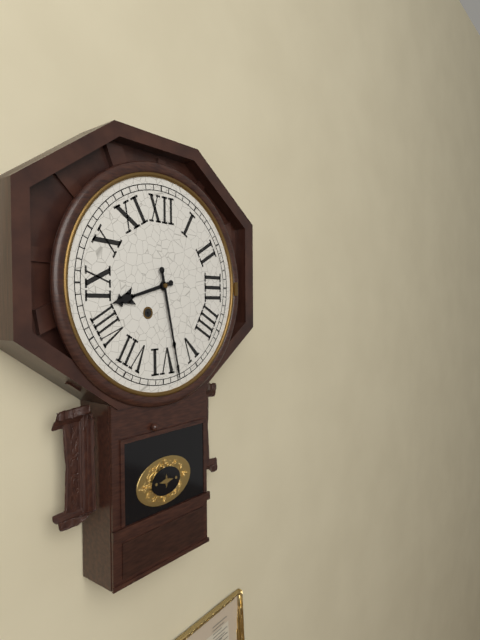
h=8 m=28
